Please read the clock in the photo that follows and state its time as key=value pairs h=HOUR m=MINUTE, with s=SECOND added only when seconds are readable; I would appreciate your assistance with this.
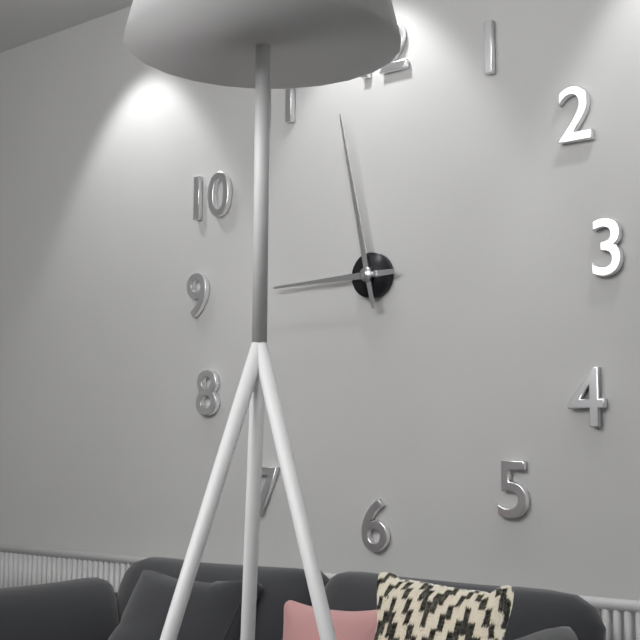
h=8 m=58
